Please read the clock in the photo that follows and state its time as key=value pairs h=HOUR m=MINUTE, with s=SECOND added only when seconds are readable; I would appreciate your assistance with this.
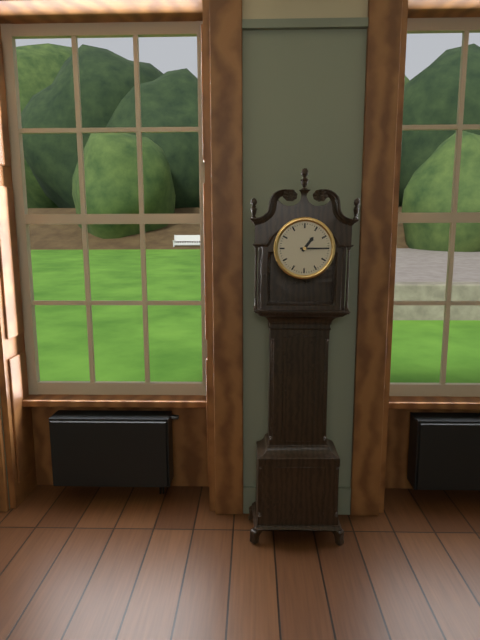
h=1 m=15
